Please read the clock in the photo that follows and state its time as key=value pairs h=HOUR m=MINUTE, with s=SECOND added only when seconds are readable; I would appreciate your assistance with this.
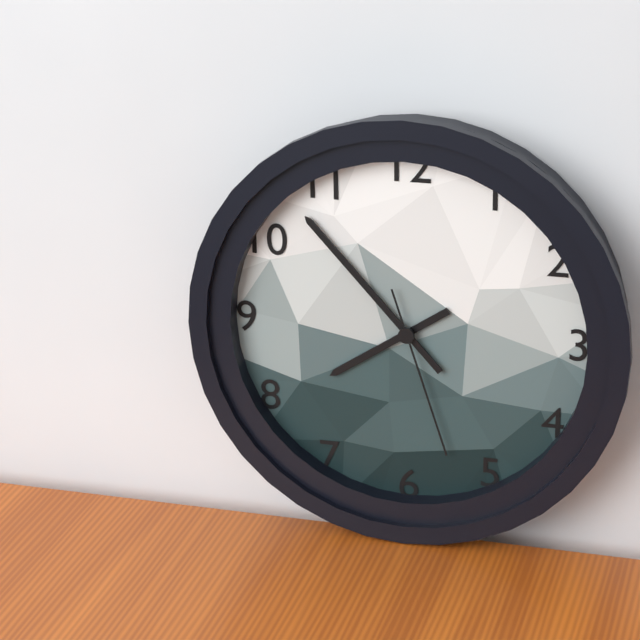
h=7 m=53 s=27
